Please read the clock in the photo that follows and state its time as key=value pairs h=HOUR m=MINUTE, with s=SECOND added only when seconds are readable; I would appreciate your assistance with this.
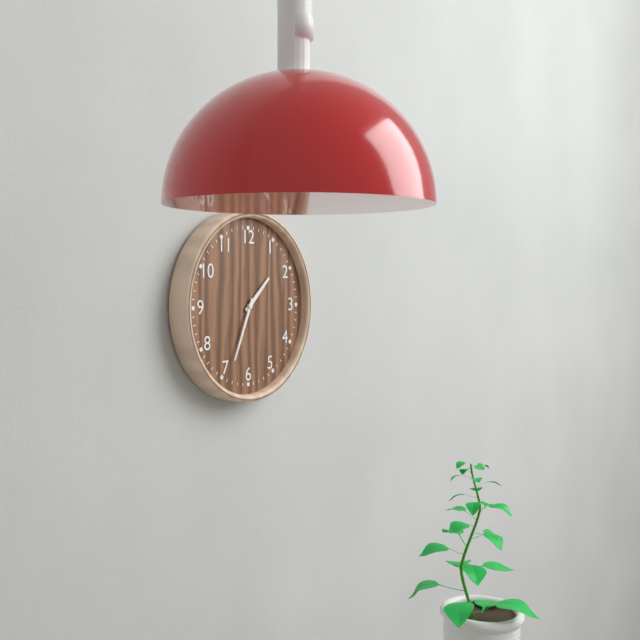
h=1 m=34
